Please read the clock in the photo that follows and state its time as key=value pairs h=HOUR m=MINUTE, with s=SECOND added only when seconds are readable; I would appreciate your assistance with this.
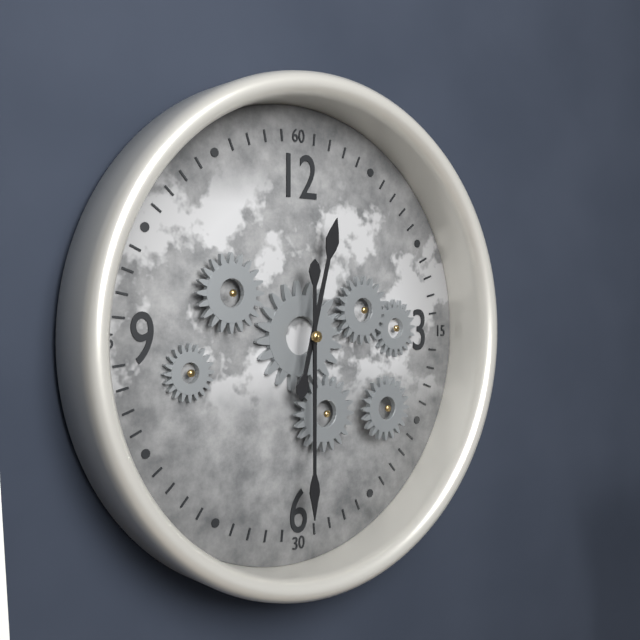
h=12 m=30
